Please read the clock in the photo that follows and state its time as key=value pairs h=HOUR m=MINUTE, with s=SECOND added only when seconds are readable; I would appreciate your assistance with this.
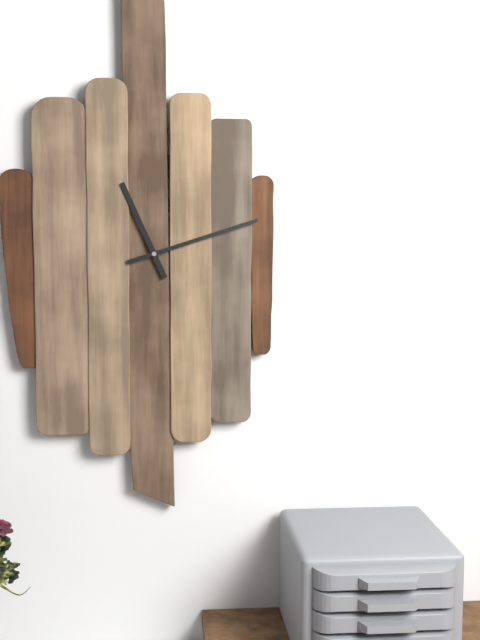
h=11 m=12
